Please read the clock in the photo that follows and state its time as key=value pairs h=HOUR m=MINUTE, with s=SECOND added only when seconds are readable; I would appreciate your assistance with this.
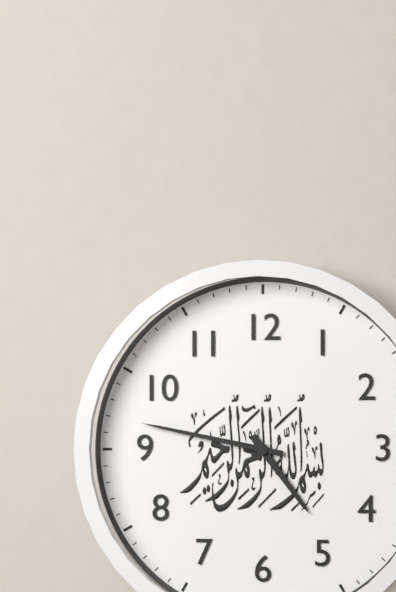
h=4 m=47
